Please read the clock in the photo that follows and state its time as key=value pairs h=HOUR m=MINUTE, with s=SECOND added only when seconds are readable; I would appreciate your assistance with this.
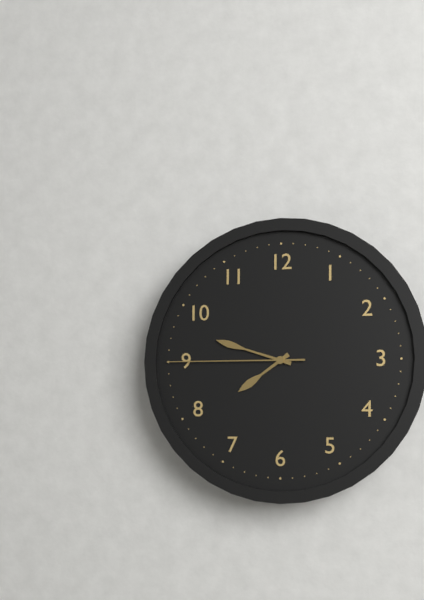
h=7 m=48 s=45
